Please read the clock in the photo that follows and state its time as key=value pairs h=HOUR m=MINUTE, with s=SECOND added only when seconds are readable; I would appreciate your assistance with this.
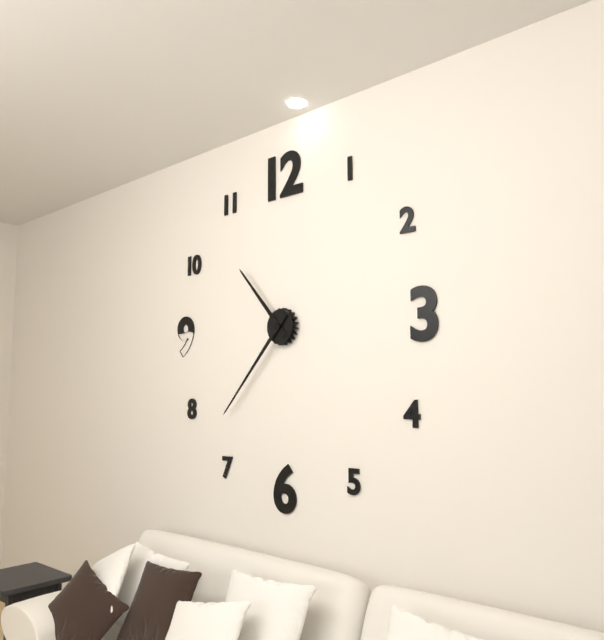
h=10 m=37
